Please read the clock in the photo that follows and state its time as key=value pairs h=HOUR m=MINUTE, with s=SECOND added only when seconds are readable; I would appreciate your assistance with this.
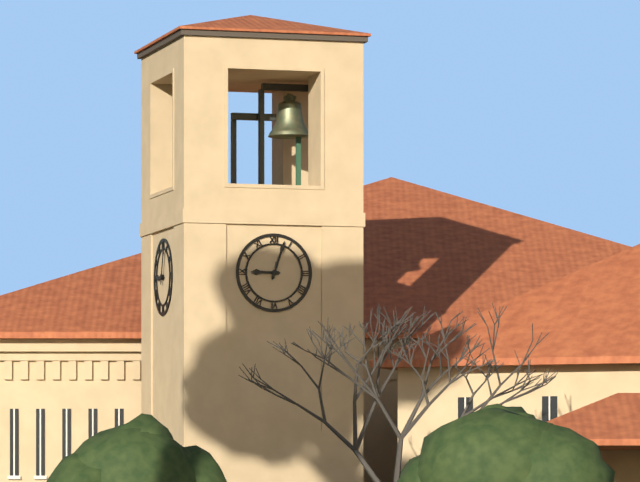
h=9 m=3
